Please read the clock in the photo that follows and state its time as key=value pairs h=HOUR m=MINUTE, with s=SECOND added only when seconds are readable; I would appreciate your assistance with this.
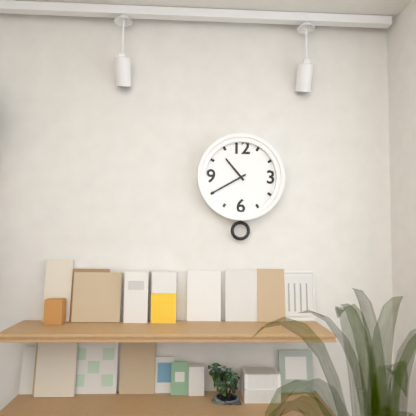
h=10 m=40
